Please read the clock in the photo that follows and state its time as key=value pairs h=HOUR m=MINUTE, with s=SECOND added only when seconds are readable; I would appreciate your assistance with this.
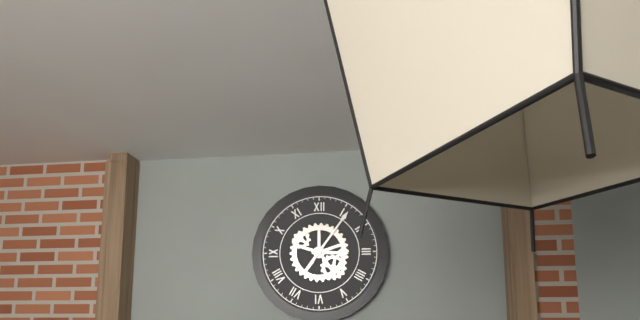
h=3 m=6
